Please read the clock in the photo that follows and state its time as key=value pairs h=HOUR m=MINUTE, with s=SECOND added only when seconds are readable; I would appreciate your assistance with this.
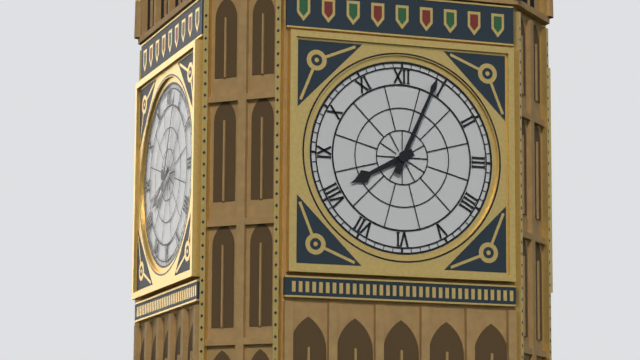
h=8 m=4
